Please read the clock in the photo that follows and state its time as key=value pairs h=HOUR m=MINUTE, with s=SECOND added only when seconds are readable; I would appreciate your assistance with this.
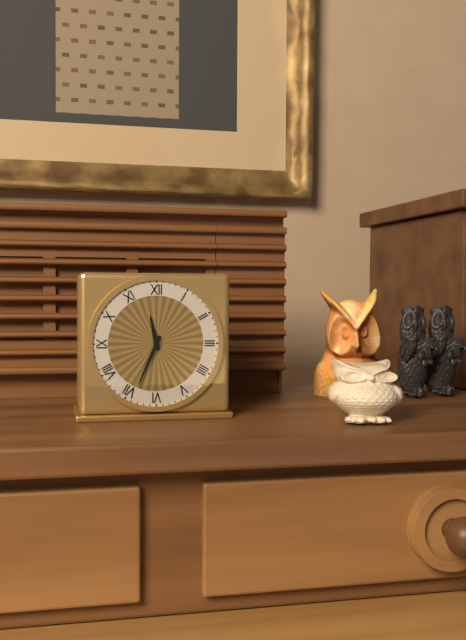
h=11 m=34
